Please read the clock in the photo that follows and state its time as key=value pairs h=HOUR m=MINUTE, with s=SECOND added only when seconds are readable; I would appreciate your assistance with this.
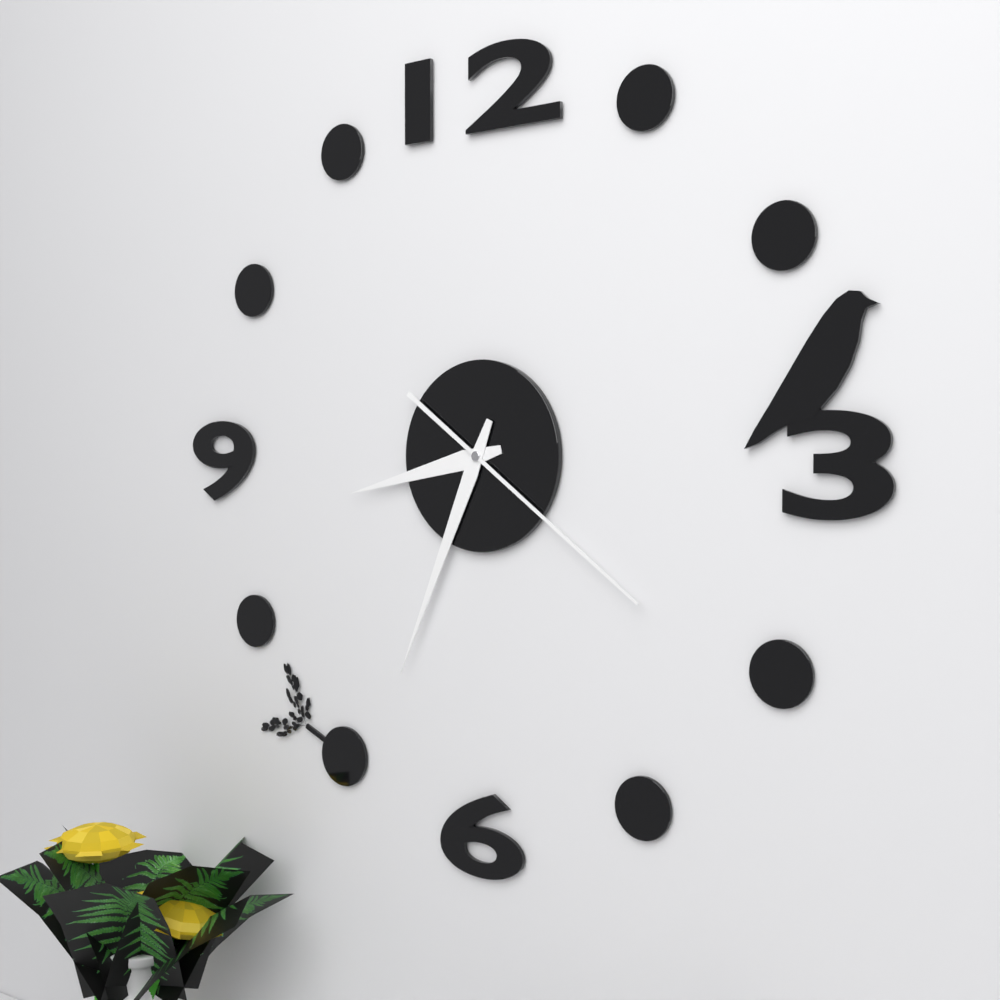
h=8 m=34 s=21
